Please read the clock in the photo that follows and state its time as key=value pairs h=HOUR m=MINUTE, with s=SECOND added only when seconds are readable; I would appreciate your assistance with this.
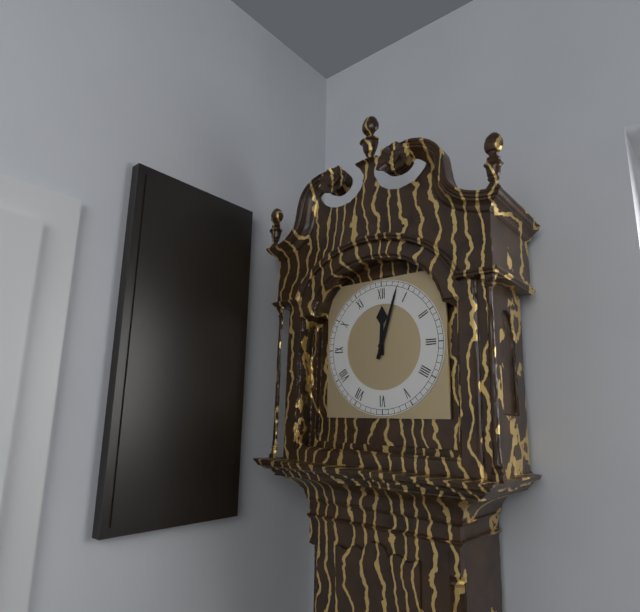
h=12 m=3
